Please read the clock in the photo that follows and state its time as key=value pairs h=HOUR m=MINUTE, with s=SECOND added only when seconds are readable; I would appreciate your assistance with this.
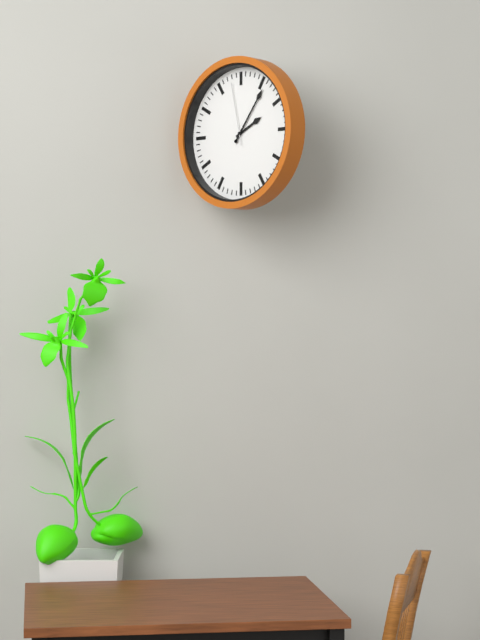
h=2 m=6 s=58
